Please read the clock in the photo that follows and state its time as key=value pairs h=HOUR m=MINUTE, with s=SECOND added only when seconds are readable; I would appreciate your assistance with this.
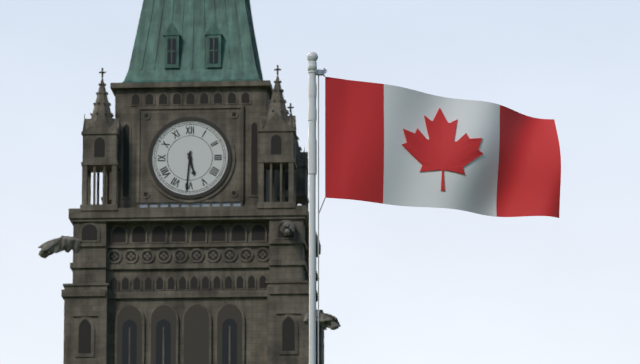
h=5 m=31
